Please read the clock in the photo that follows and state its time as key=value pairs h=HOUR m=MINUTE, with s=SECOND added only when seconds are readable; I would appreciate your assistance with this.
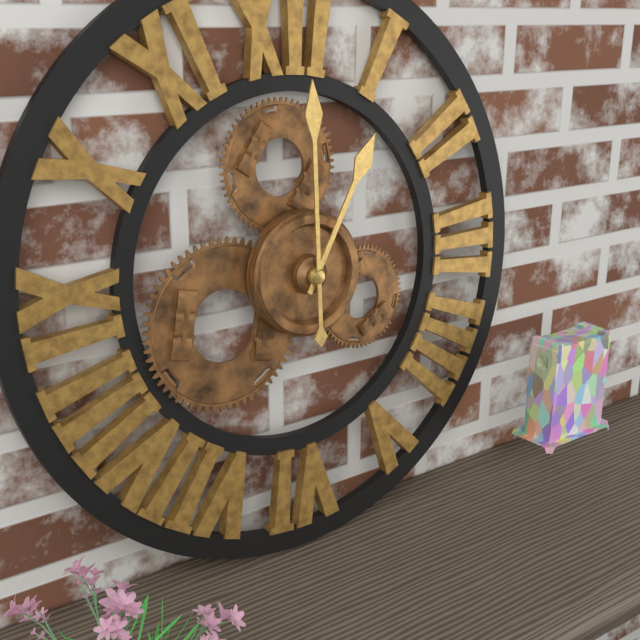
h=1 m=0
